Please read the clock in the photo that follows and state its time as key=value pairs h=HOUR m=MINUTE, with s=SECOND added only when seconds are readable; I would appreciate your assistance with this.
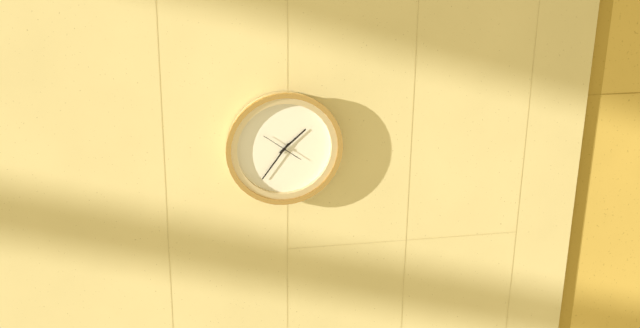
h=1 m=36
